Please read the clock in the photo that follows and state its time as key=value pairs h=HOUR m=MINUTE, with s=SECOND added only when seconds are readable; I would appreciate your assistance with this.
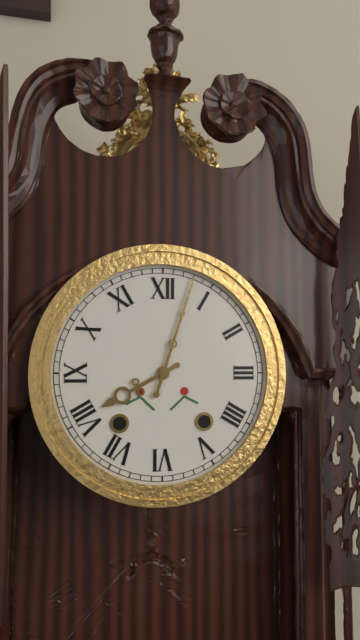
h=8 m=3
